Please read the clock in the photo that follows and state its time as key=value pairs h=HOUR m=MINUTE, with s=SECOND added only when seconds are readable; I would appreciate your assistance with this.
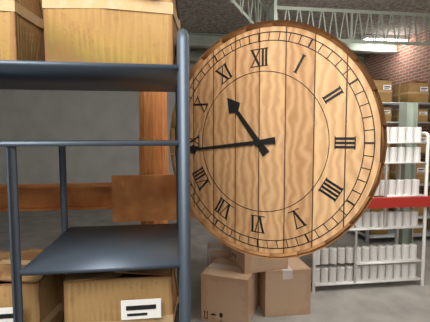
h=10 m=44
